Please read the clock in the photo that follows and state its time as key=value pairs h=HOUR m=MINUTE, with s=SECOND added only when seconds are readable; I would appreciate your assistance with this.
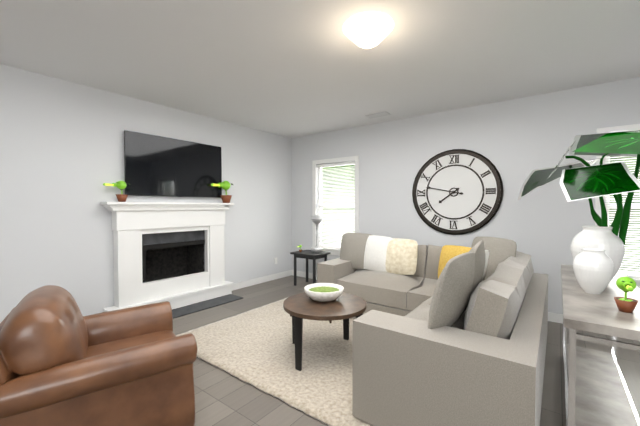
h=7 m=47
